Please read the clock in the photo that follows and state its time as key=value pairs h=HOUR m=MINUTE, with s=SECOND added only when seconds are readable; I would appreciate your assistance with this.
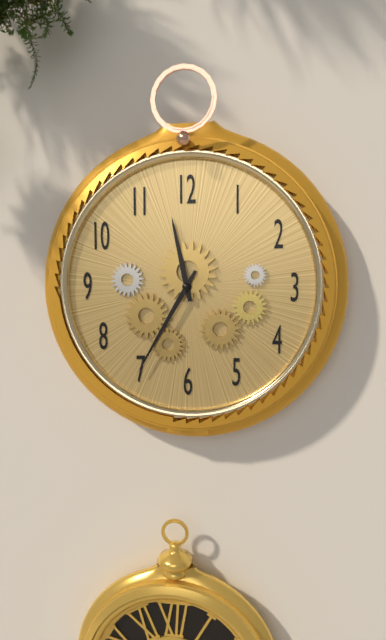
h=11 m=35
